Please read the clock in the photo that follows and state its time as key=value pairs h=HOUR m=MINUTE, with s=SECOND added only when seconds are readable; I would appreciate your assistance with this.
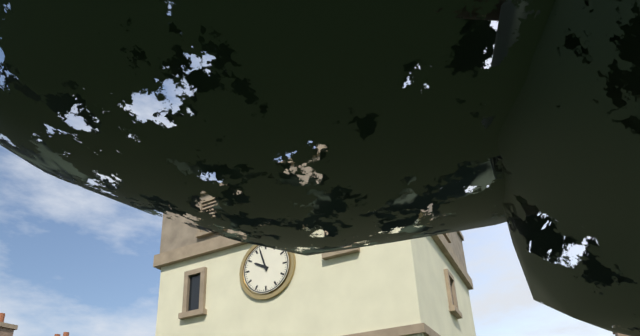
h=9 m=57
